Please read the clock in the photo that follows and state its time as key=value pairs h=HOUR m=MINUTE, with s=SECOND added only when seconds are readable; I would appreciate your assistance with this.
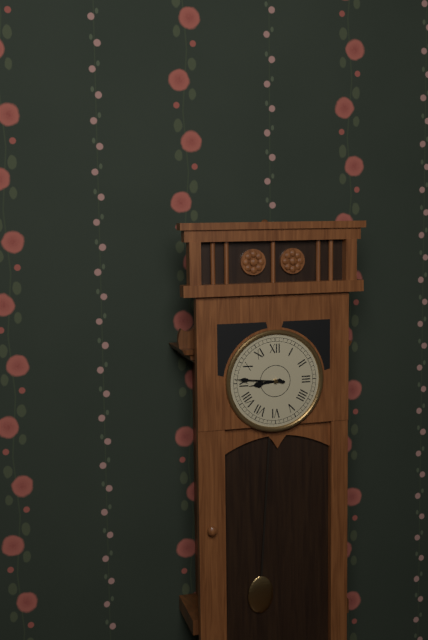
h=8 m=46
